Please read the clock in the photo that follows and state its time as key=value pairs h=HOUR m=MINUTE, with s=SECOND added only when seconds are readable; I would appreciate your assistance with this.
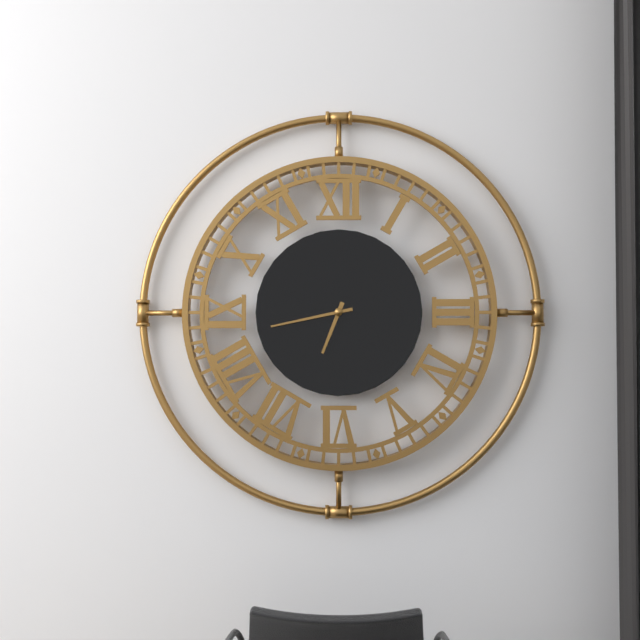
h=6 m=43
